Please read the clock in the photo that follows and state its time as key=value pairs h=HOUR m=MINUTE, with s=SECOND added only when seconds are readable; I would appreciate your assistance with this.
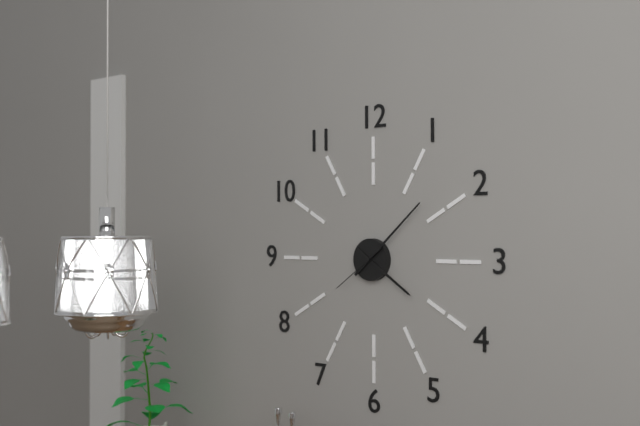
h=4 m=8 s=39
